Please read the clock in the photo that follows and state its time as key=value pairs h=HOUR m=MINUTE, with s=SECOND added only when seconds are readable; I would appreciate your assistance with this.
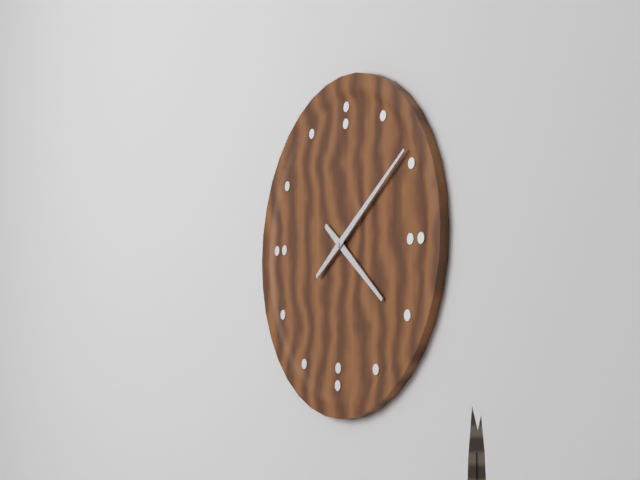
h=4 m=9
